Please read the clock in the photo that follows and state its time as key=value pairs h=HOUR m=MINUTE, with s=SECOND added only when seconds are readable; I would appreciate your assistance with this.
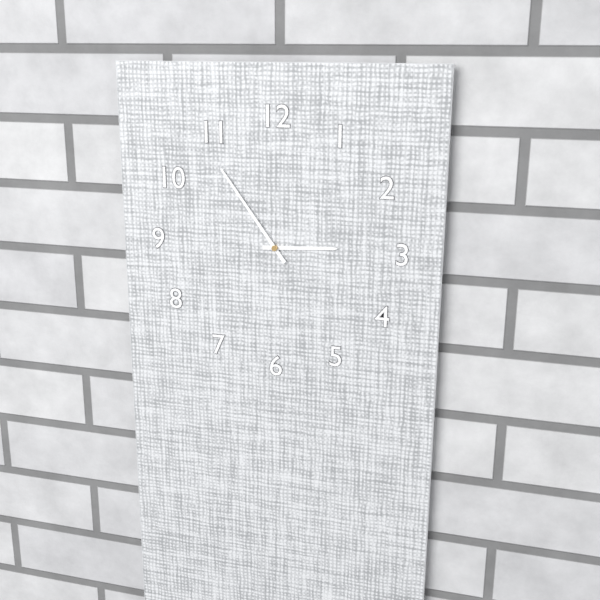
h=2 m=54
